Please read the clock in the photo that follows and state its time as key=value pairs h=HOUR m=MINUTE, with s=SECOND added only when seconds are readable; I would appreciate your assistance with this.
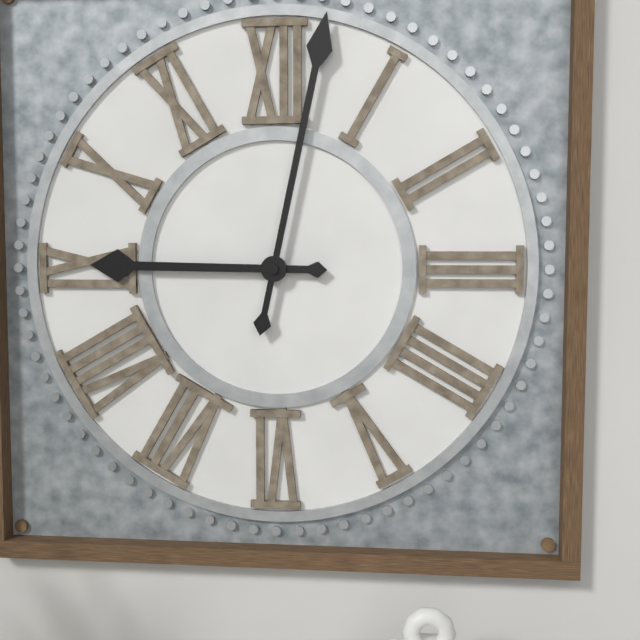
h=9 m=2
